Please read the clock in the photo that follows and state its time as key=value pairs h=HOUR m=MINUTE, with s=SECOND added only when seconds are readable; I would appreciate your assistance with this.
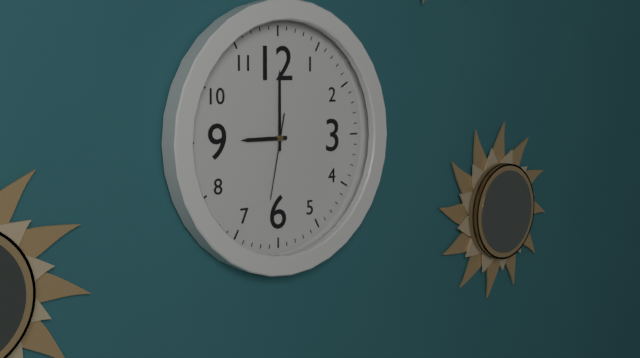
h=9 m=0 s=32
